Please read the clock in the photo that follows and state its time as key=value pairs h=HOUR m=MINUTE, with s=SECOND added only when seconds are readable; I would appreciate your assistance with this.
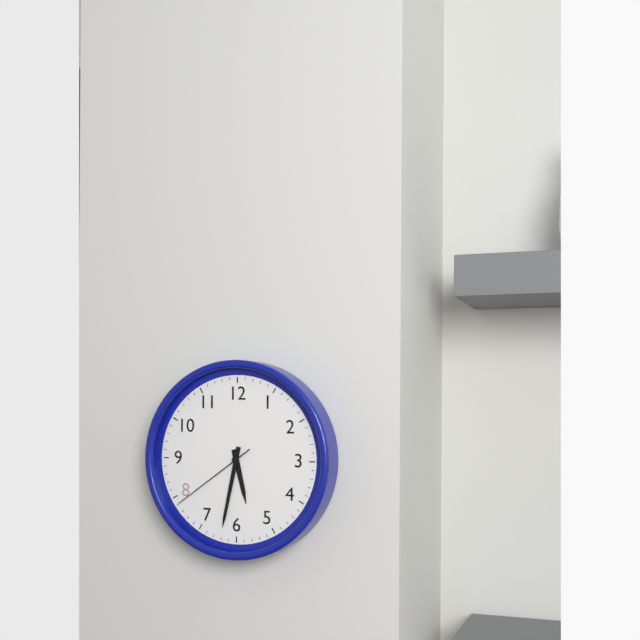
h=5 m=32 s=39
